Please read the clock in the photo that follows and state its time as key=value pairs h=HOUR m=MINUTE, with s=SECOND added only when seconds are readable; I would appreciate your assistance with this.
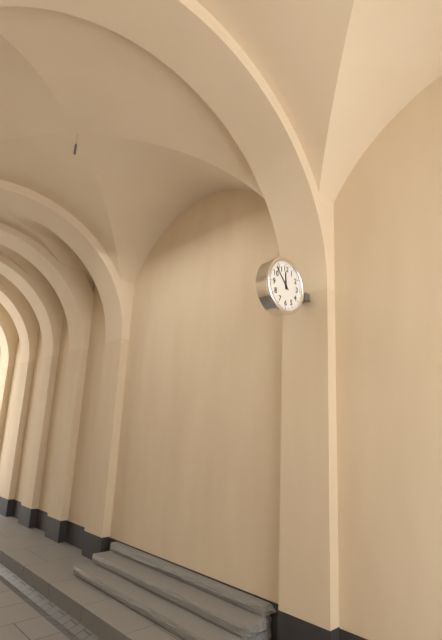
h=11 m=53
